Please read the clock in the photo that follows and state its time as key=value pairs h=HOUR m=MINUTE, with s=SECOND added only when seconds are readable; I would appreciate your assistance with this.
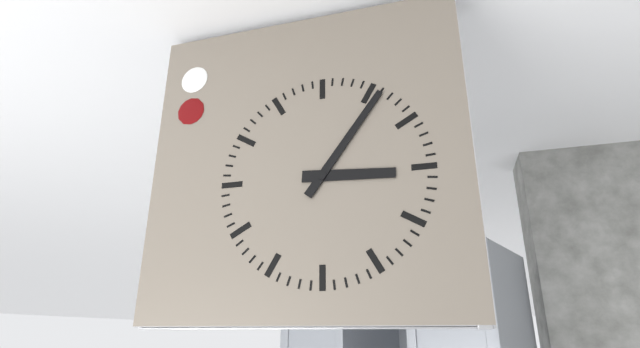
h=3 m=6
